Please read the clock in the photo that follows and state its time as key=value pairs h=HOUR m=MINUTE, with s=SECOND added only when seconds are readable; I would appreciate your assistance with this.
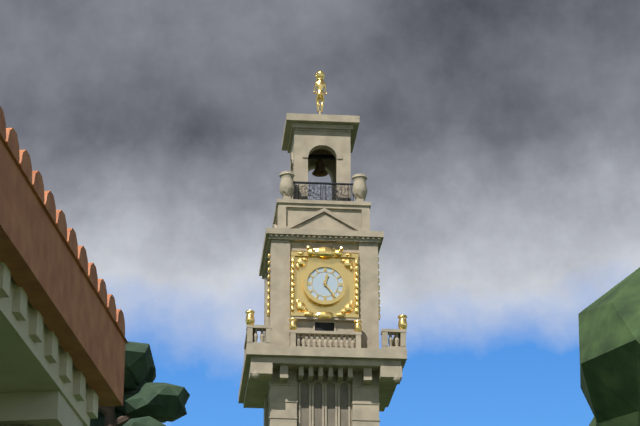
h=12 m=24
